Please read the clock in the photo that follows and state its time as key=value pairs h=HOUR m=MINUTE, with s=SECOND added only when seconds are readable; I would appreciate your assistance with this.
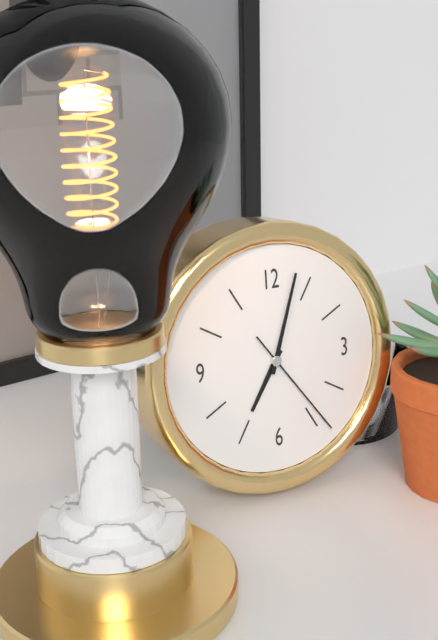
h=7 m=3 s=24
